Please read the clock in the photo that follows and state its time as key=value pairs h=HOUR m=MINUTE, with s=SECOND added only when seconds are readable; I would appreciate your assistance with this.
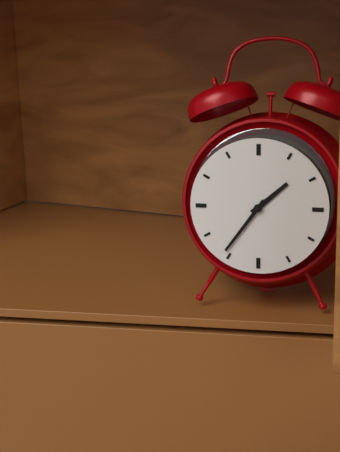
h=1 m=36
